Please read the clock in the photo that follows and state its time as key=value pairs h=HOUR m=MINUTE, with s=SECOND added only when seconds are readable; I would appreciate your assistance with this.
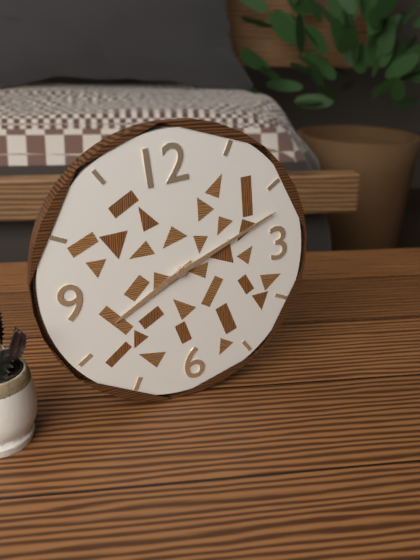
h=8 m=12
